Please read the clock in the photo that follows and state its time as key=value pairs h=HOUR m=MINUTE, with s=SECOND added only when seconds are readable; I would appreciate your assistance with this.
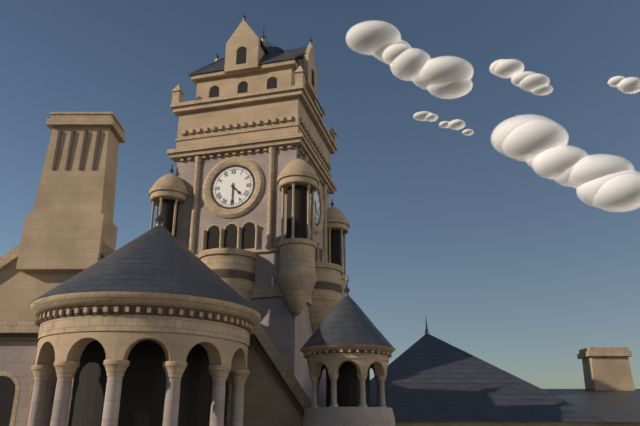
h=4 m=30
